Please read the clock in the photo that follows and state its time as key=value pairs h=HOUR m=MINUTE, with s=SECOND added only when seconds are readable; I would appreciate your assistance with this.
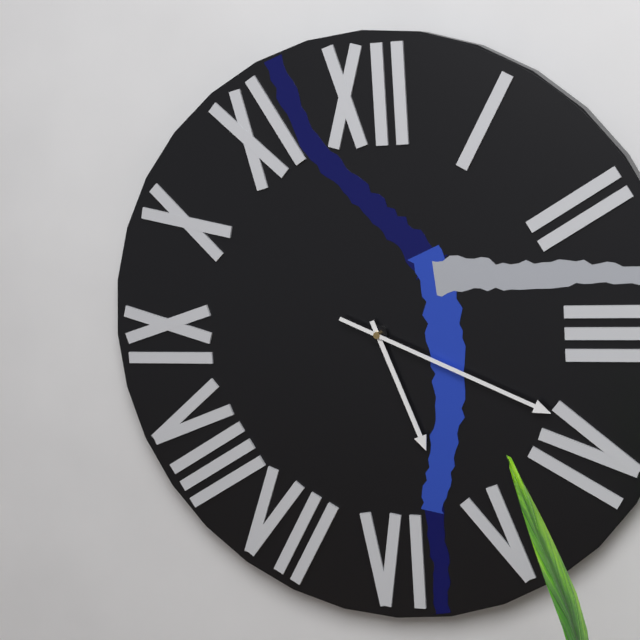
h=5 m=19
